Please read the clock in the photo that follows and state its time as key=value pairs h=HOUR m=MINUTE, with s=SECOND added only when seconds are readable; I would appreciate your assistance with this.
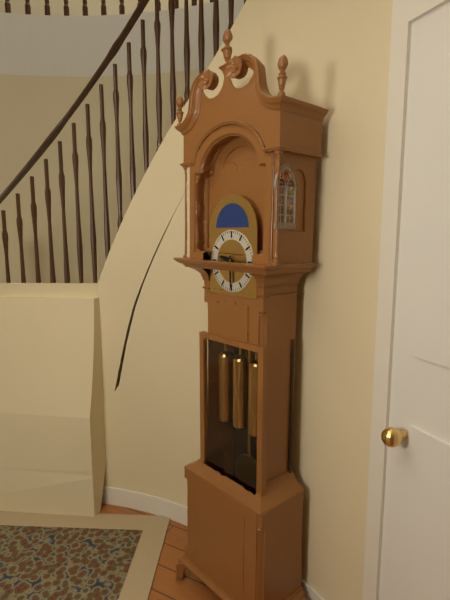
h=9 m=30
